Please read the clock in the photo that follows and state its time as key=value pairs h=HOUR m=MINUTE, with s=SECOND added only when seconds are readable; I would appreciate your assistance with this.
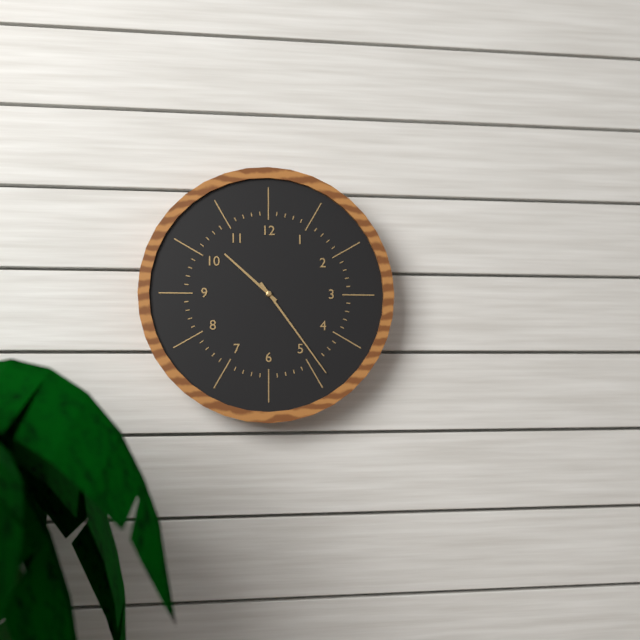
h=10 m=24
